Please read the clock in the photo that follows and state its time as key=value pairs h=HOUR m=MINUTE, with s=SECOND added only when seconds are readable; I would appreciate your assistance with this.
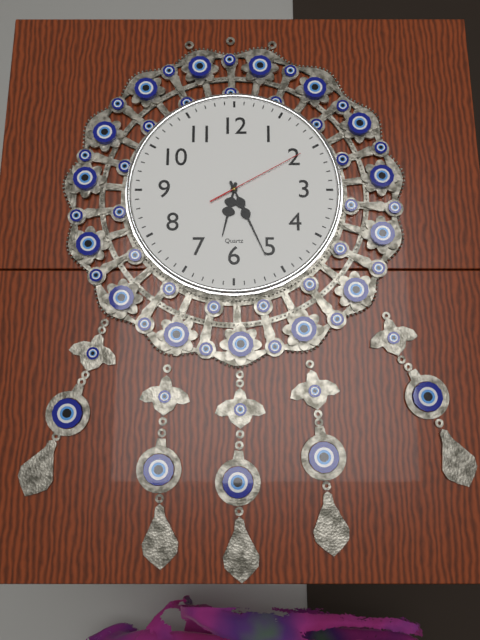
h=6 m=26 s=10
